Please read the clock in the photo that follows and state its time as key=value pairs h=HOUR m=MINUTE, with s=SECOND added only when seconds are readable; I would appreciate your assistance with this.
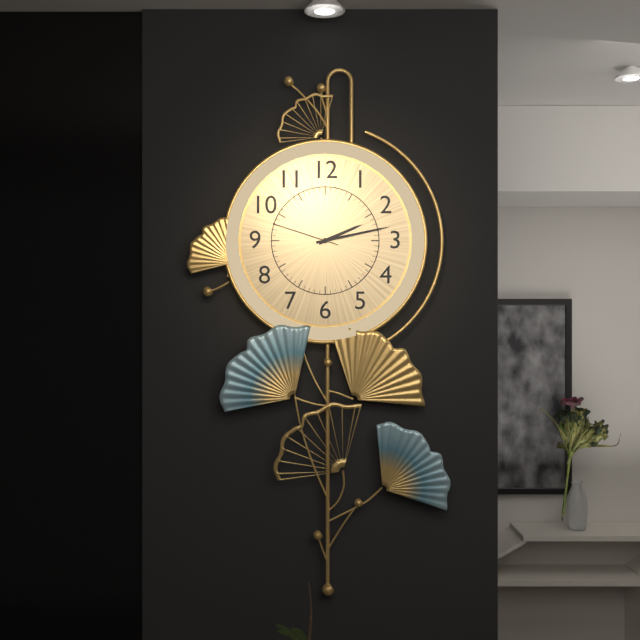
h=2 m=13 s=48
